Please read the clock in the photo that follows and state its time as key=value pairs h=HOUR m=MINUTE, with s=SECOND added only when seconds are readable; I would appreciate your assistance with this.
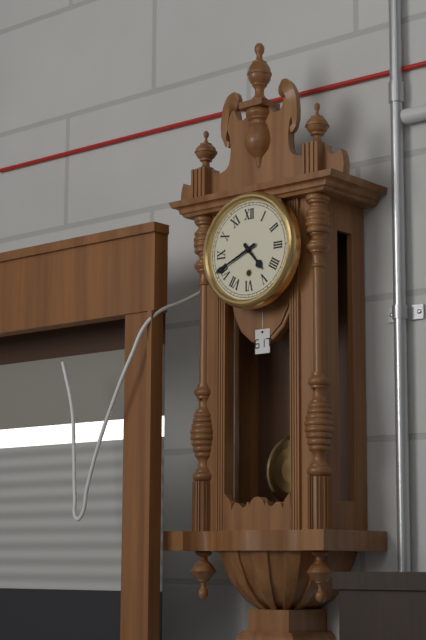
h=4 m=41
